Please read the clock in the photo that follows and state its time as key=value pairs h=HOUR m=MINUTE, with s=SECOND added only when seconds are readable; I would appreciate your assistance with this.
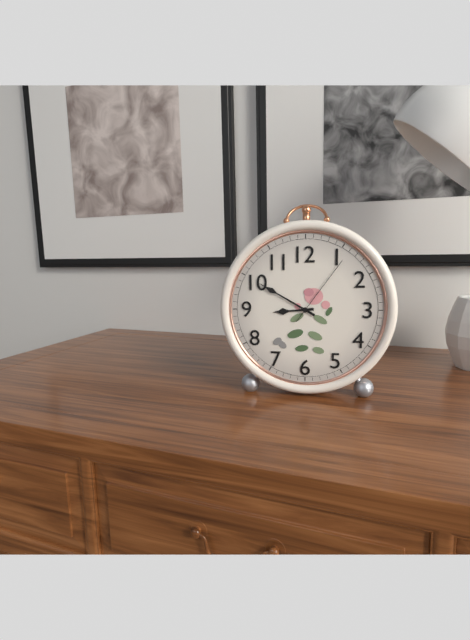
h=8 m=50 s=6
